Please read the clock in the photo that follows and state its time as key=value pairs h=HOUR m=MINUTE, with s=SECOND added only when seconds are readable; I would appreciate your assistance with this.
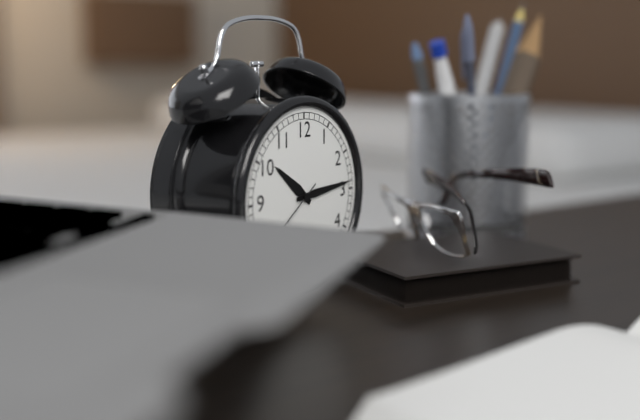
h=10 m=14
